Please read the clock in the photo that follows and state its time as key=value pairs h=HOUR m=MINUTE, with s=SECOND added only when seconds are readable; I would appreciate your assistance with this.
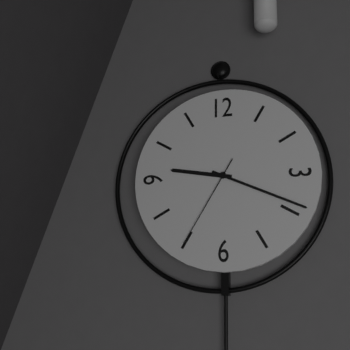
h=9 m=19 s=35
